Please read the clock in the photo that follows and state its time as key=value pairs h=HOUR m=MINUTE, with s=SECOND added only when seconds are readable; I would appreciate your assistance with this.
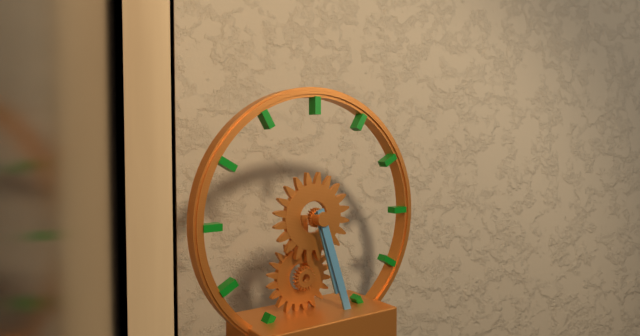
h=5 m=27
